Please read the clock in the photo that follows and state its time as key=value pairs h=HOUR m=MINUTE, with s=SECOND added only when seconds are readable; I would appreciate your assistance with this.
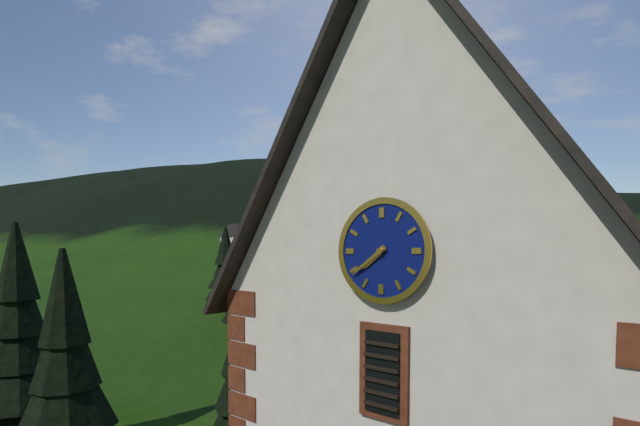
h=7 m=39
